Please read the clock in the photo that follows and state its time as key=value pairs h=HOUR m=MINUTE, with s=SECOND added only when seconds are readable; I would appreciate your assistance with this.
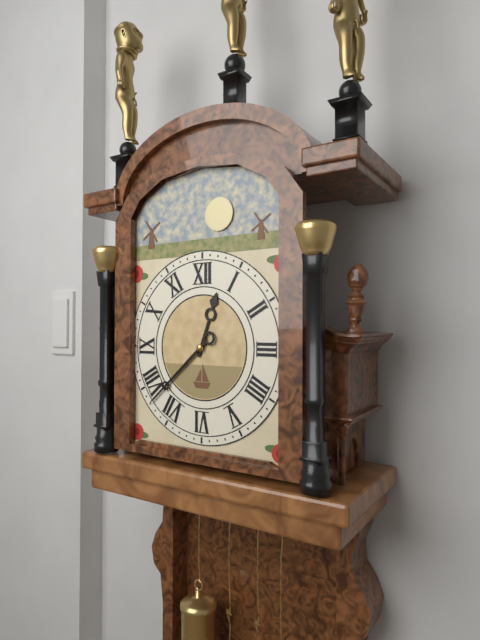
h=12 m=38
